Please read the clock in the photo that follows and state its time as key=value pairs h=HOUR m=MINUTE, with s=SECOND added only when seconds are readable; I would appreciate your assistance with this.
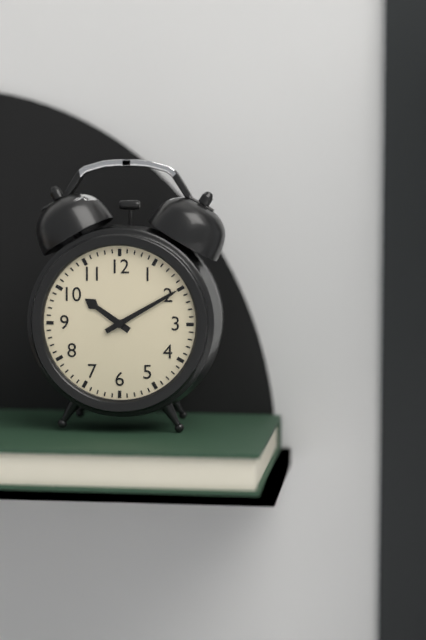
h=10 m=10
